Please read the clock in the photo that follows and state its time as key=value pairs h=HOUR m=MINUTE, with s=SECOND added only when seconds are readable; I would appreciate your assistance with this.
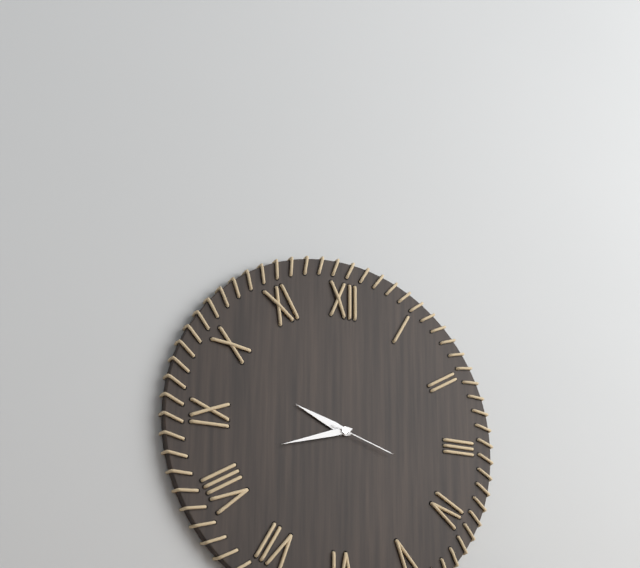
h=9 m=42 s=18
